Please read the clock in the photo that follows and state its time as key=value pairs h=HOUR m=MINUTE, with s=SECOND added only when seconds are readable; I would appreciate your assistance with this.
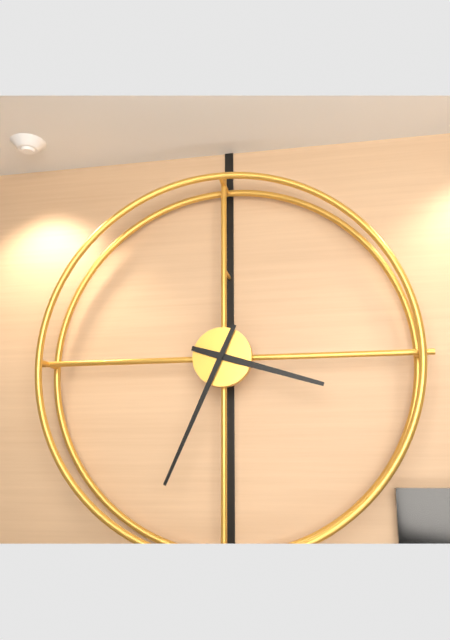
h=3 m=34
